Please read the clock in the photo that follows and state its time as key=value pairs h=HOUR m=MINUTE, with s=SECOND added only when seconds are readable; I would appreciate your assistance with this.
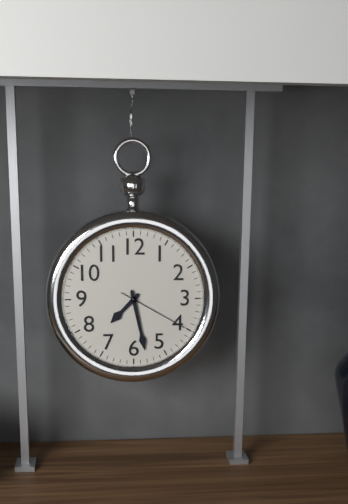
h=7 m=28 s=20
